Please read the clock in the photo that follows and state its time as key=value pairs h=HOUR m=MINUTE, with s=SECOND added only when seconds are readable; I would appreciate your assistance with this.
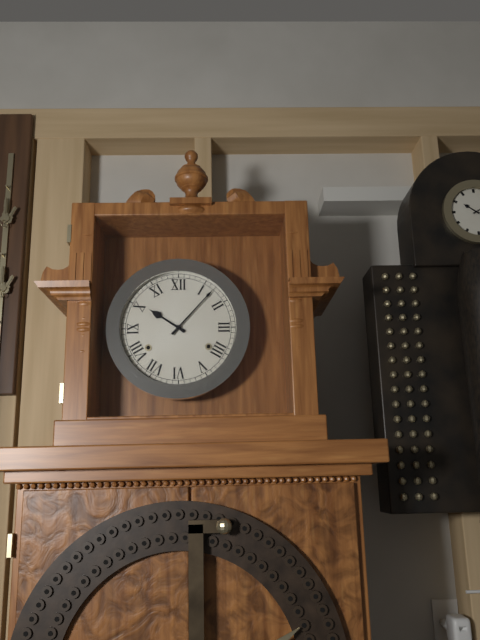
h=10 m=7
